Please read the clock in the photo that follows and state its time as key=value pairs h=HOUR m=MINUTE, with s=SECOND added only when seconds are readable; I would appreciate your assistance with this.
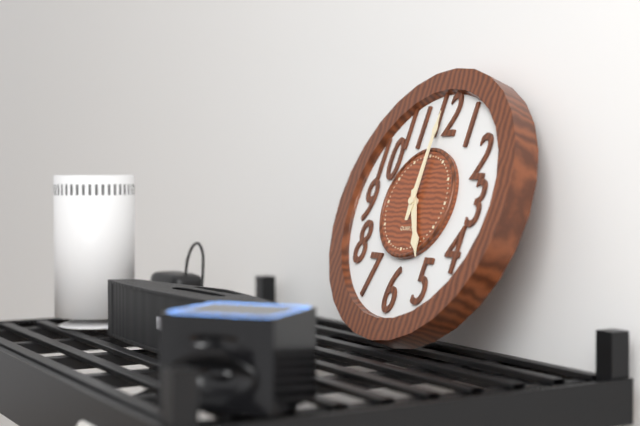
h=5 m=0
